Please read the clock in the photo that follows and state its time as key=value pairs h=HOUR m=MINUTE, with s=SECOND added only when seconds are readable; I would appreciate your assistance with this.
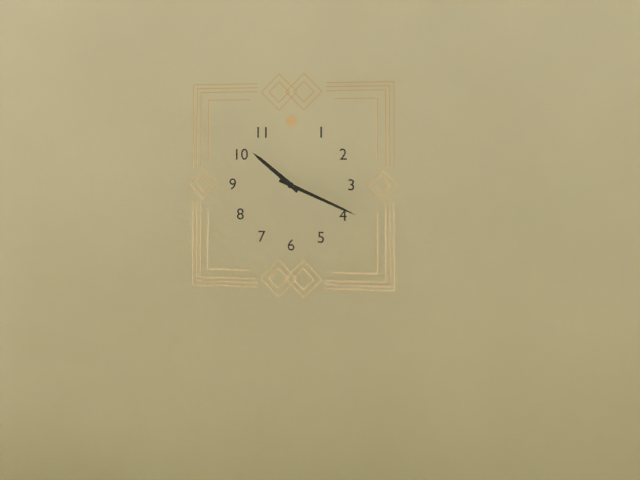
h=10 m=19
